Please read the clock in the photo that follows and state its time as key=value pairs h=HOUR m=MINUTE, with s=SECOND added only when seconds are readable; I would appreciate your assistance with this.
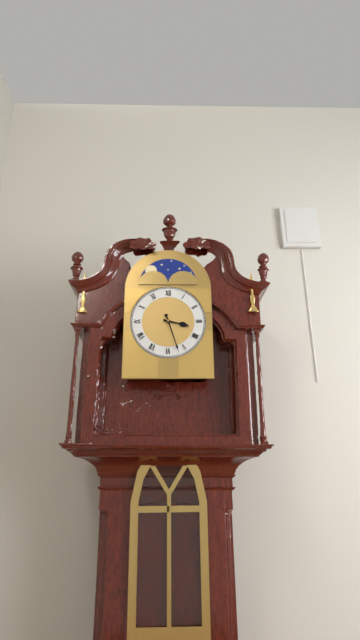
h=3 m=27
